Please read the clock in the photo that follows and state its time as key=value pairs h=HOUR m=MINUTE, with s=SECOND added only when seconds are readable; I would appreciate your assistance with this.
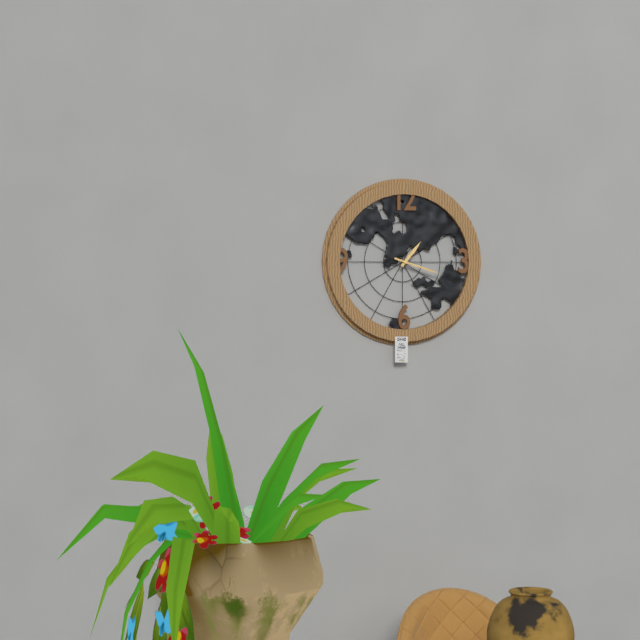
h=1 m=18
